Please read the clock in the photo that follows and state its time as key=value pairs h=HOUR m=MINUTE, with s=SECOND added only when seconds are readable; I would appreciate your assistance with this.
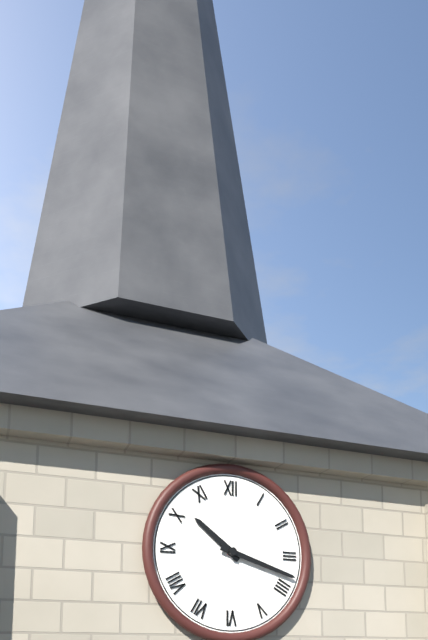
h=10 m=18
